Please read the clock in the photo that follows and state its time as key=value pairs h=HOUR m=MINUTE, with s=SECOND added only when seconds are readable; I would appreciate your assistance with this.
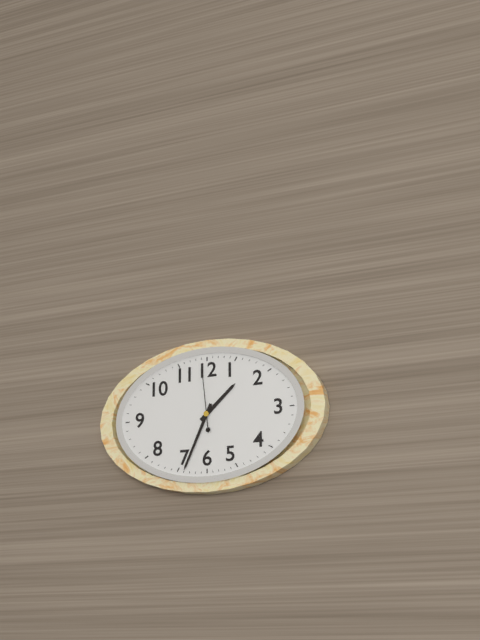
h=1 m=34 s=59
